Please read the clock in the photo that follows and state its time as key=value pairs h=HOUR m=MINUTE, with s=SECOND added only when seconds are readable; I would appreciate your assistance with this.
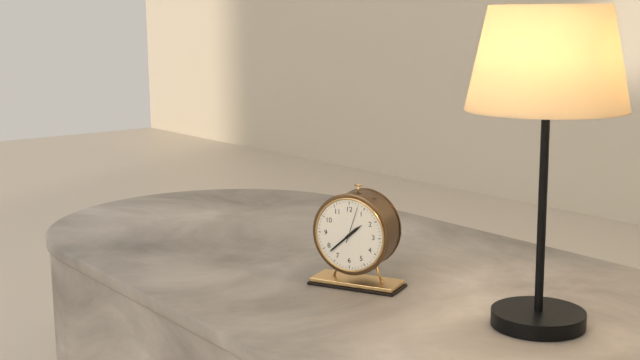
h=1 m=38
